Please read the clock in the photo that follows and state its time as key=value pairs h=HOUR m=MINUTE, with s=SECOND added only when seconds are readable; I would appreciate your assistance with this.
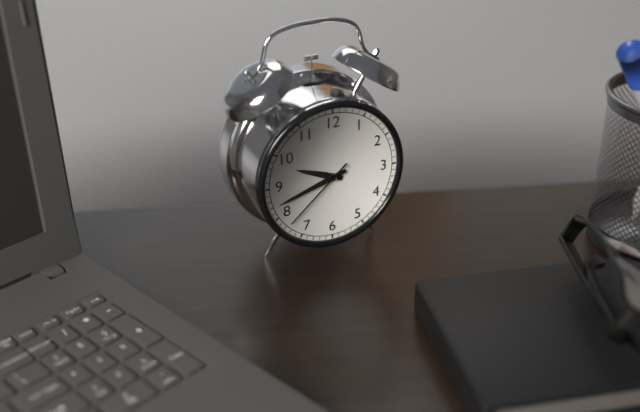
h=9 m=42 s=38
